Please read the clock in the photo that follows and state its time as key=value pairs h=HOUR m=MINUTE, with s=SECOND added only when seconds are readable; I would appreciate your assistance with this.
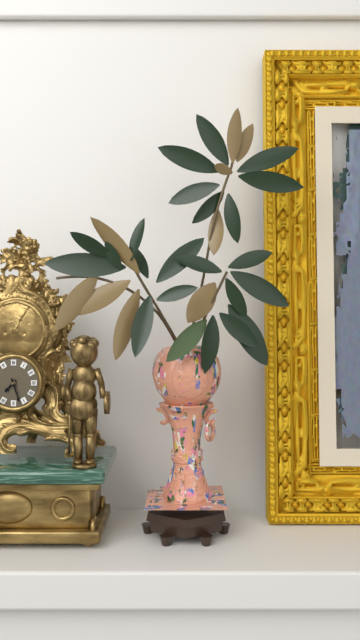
h=7 m=27
